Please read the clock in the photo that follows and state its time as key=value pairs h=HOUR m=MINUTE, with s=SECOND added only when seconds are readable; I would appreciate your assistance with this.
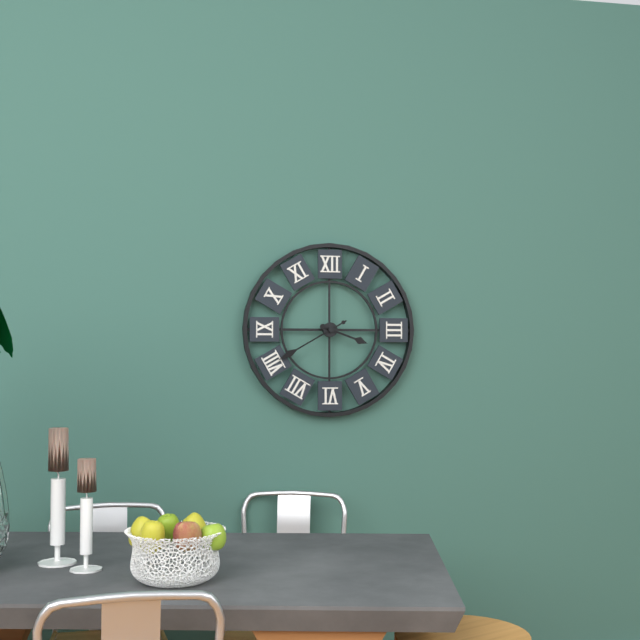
h=3 m=40
